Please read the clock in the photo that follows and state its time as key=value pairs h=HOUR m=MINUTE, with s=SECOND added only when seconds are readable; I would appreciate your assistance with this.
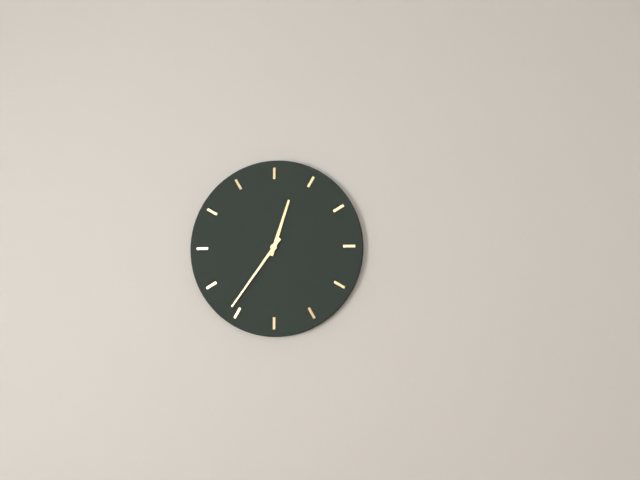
h=12 m=36
